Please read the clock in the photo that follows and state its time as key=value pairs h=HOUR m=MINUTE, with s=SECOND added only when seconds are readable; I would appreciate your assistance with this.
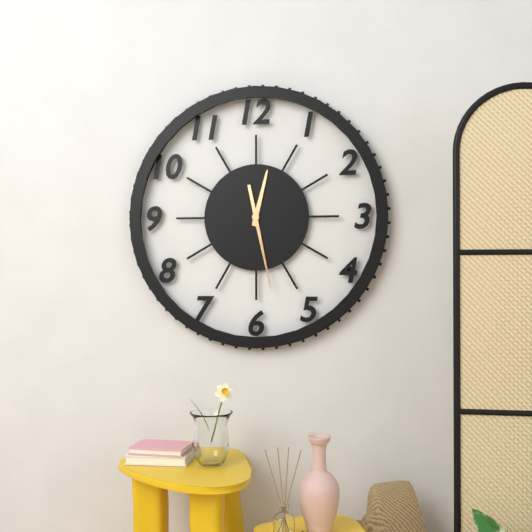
h=12 m=28
